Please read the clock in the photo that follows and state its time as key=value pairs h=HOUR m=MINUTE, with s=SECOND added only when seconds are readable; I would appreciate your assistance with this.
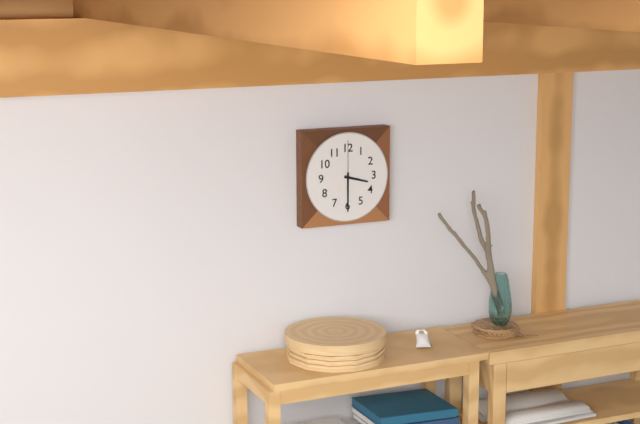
h=3 m=30
